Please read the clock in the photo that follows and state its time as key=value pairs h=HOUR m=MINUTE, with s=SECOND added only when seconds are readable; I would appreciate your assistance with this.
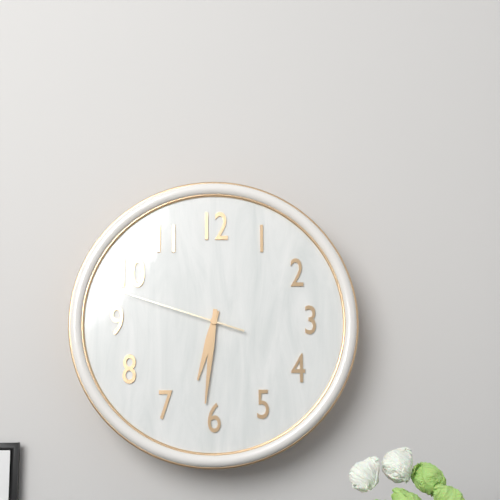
h=6 m=31 s=48
